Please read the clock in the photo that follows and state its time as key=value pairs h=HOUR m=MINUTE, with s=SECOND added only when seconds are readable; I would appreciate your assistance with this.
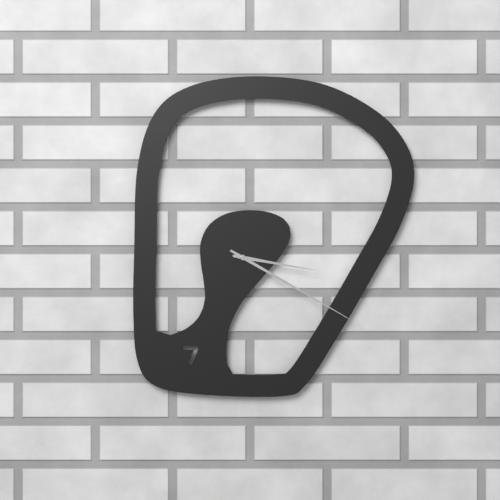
h=3 m=20
